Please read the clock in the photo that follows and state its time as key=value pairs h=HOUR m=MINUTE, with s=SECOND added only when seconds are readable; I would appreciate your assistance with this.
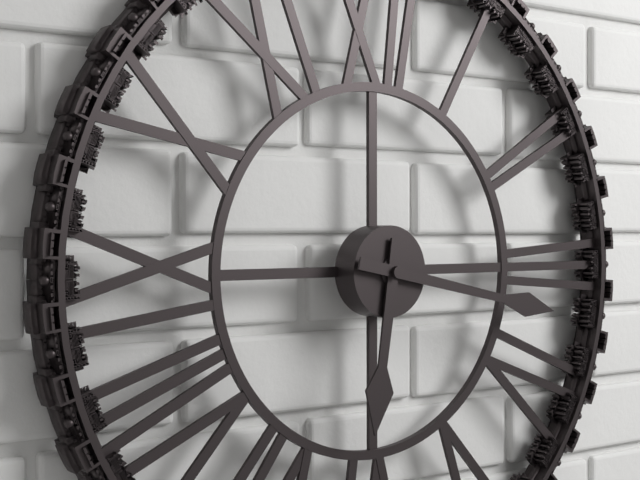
h=6 m=17
